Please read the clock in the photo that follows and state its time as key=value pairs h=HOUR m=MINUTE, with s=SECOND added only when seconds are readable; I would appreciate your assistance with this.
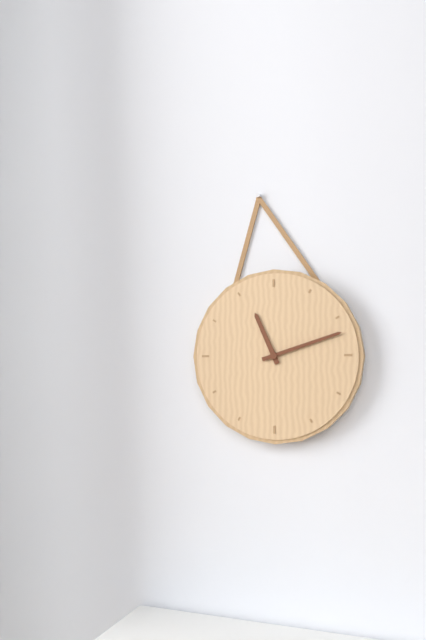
h=11 m=12
